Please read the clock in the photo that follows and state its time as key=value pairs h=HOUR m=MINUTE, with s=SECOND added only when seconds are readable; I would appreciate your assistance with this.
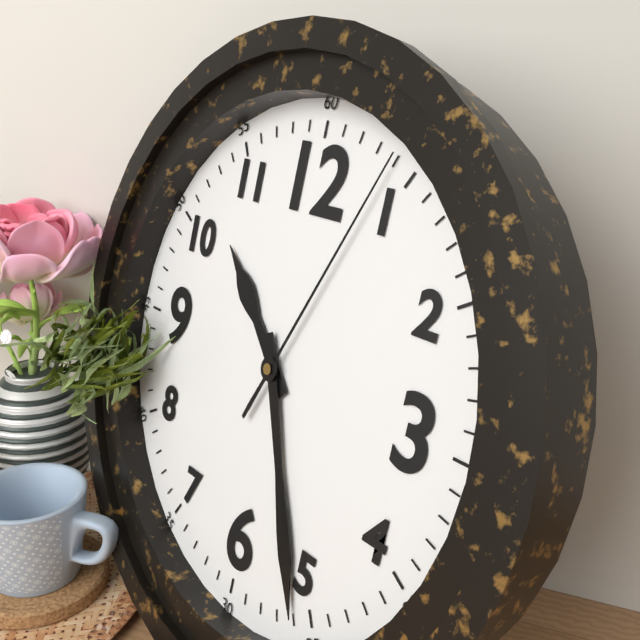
h=10 m=26 s=4
